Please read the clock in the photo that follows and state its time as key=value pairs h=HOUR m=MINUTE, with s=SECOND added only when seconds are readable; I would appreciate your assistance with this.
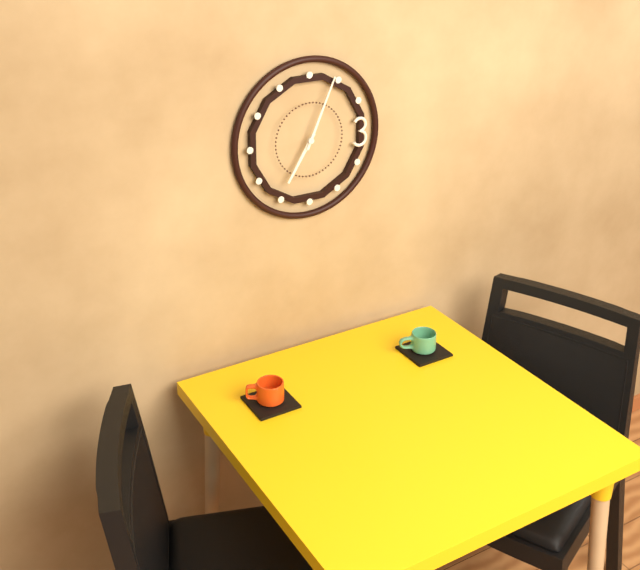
h=7 m=4
